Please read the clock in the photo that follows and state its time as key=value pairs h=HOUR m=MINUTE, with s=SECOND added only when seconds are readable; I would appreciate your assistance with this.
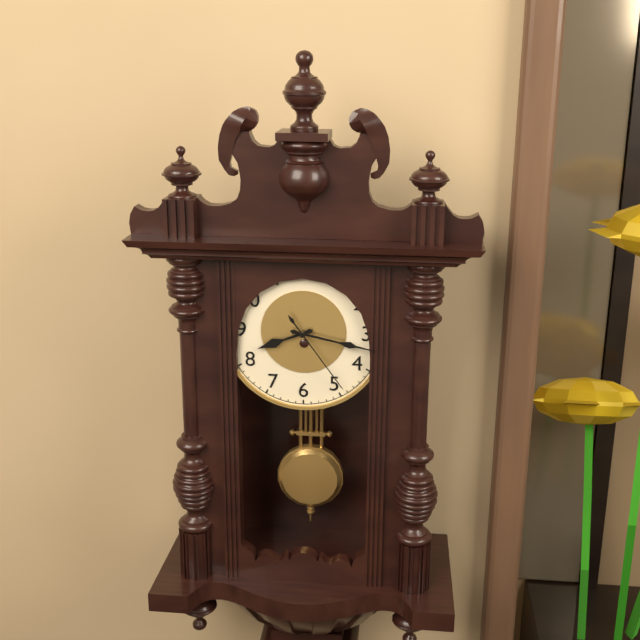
h=8 m=17 s=24
